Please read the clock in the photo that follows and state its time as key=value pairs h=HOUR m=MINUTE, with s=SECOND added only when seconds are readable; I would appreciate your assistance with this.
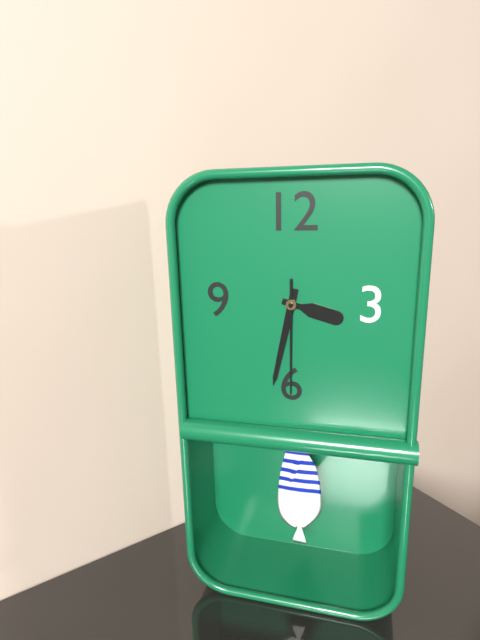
h=3 m=32 s=30
